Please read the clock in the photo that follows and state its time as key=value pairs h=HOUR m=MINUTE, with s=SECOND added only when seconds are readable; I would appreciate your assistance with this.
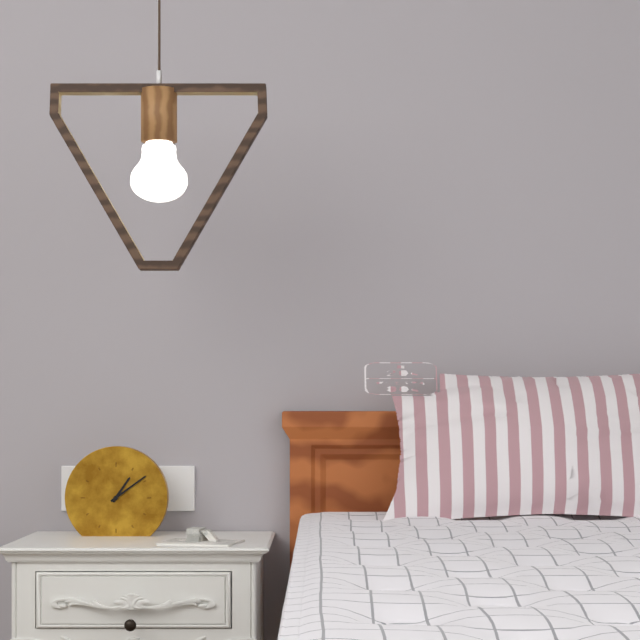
h=1 m=9
